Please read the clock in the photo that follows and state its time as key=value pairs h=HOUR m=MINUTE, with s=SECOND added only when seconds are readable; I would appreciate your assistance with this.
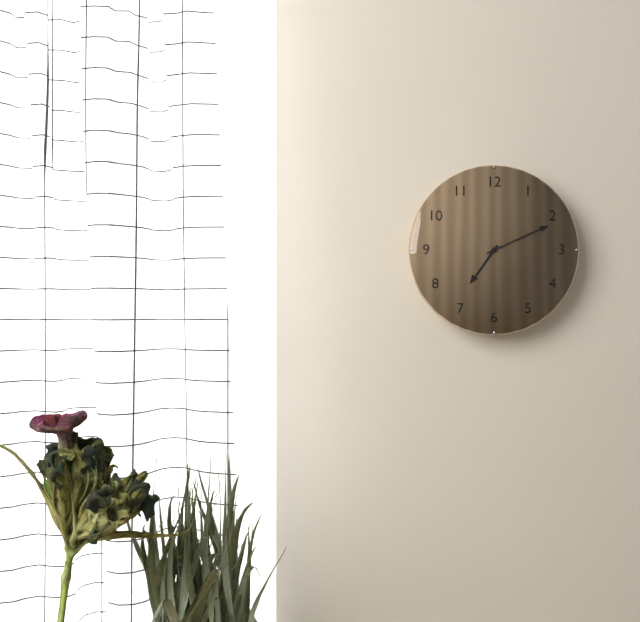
h=7 m=11
